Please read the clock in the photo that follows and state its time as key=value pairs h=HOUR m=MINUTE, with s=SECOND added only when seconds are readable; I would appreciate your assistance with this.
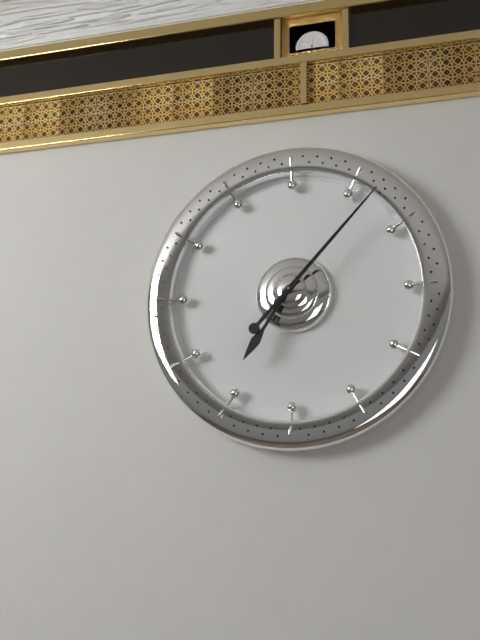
h=7 m=7
